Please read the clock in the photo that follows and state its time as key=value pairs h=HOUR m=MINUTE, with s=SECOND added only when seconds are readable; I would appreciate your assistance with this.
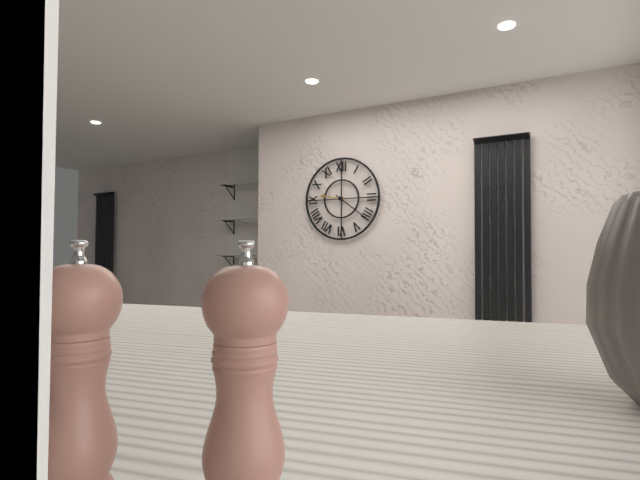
h=9 m=21
